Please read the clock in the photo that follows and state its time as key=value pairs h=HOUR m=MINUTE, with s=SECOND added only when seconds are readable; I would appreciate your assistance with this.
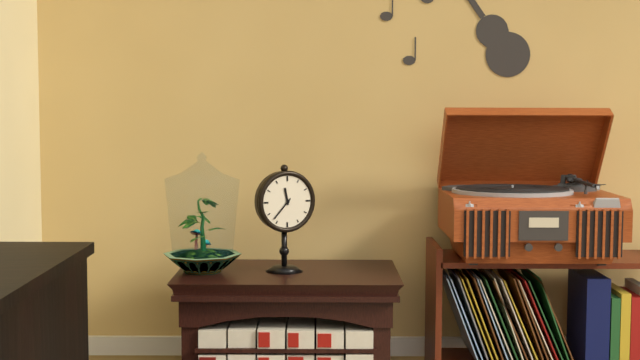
h=11 m=37
